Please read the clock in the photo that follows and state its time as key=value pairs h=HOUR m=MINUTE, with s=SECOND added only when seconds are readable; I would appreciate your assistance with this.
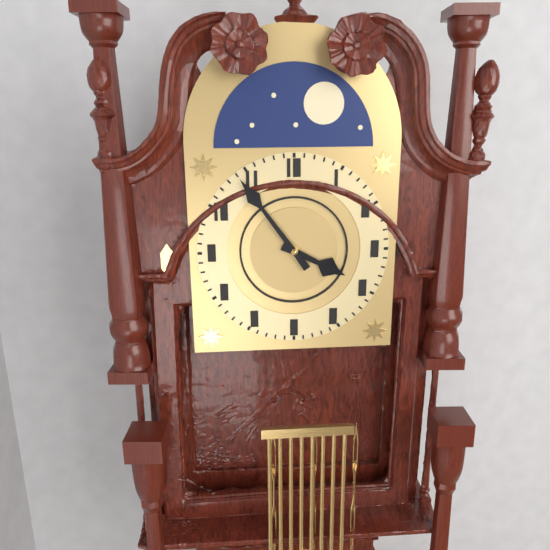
h=3 m=54
